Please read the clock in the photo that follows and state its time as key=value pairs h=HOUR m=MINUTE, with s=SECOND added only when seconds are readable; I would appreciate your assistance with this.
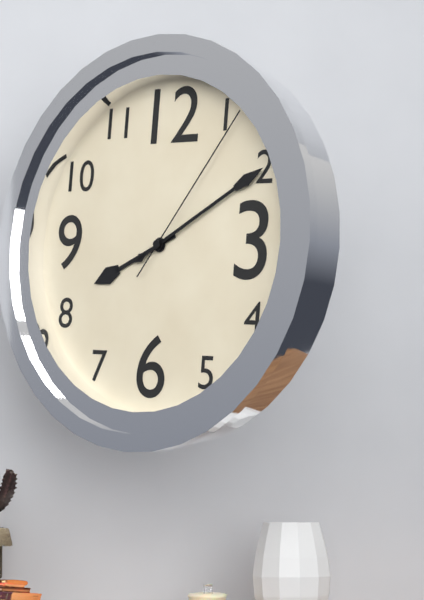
h=8 m=10 s=6
